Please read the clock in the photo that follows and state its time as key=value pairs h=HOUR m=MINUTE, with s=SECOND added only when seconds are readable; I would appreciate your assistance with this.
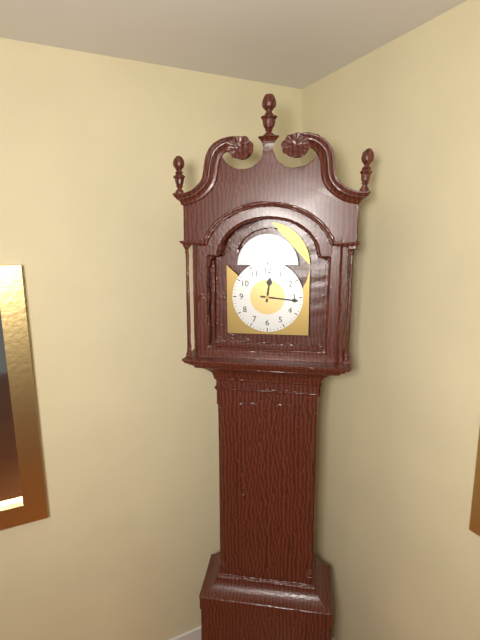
h=12 m=16
